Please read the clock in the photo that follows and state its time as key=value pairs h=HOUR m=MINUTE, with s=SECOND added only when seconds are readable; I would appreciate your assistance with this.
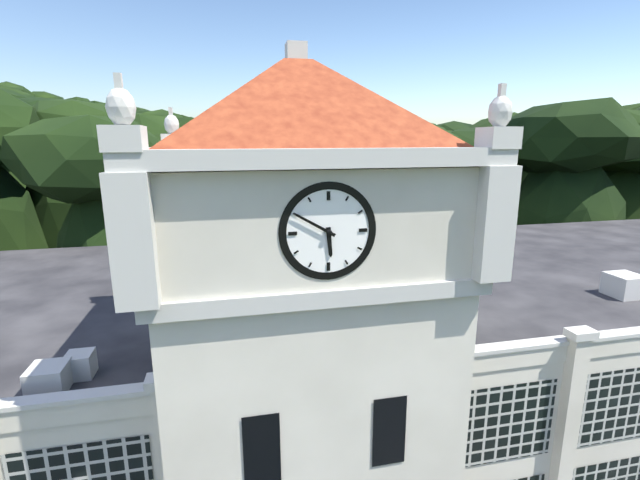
h=5 m=50
